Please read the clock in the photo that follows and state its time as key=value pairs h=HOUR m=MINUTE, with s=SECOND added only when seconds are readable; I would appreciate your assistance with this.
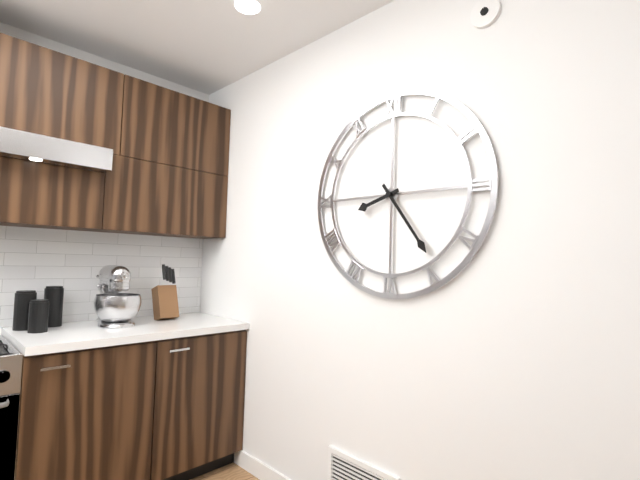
h=8 m=24
